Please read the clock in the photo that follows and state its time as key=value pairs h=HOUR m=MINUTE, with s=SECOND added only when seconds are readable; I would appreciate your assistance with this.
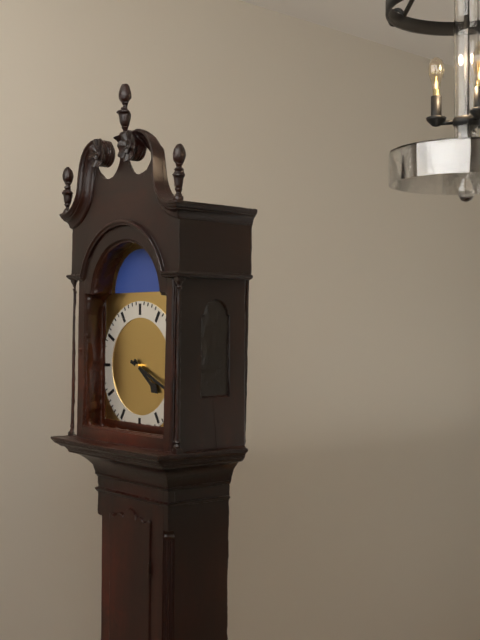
h=4 m=19
